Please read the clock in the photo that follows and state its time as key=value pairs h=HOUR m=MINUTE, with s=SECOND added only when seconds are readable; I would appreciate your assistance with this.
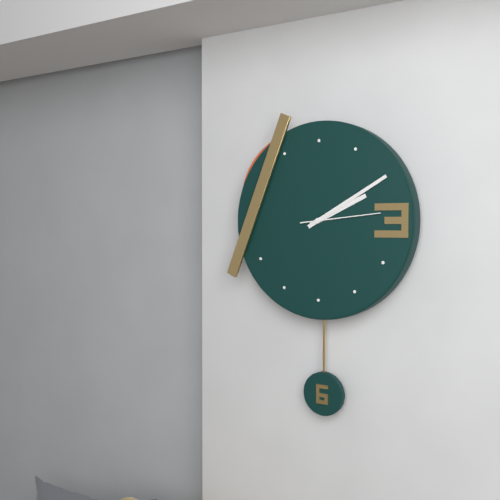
h=2 m=10 s=14
